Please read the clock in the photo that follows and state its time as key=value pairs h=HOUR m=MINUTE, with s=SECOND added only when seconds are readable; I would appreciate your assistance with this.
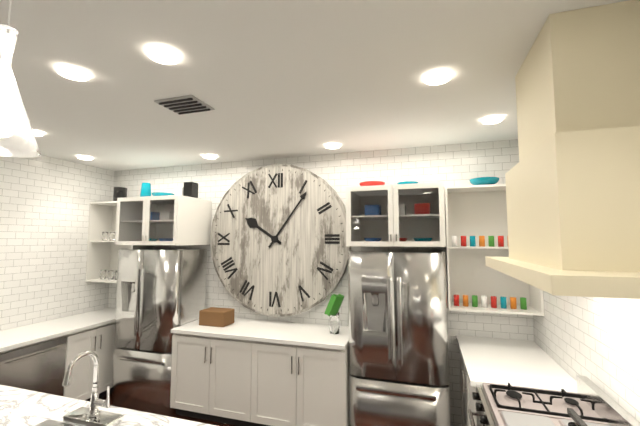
h=10 m=6
